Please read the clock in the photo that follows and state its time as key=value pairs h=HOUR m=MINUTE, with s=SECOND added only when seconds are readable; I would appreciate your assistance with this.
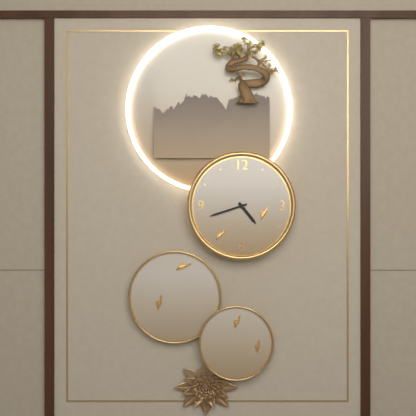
h=4 m=42
